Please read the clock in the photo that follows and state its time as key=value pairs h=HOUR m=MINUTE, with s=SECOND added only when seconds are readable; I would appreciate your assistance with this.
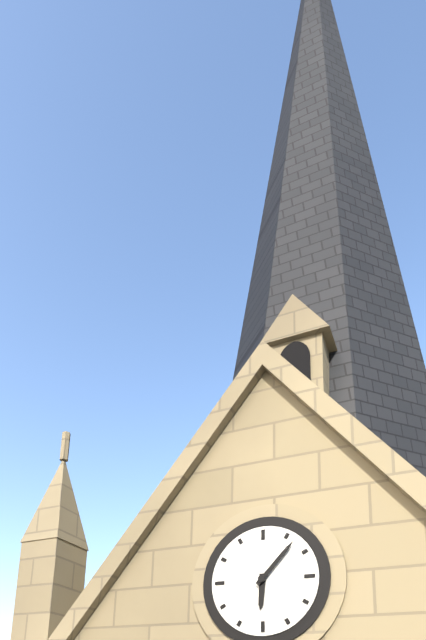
h=6 m=7
